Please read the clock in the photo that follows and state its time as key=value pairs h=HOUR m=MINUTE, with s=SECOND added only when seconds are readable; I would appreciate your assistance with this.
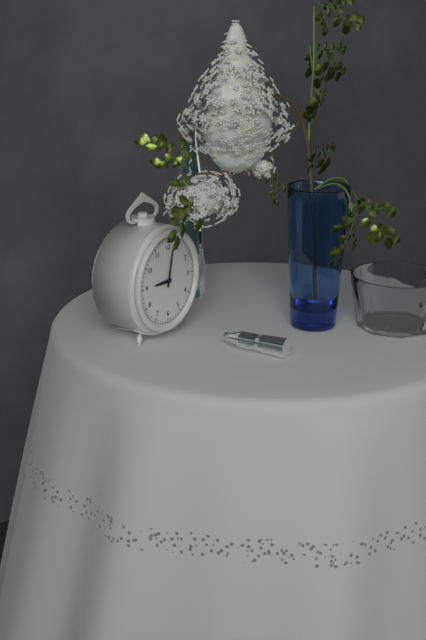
h=9 m=2
